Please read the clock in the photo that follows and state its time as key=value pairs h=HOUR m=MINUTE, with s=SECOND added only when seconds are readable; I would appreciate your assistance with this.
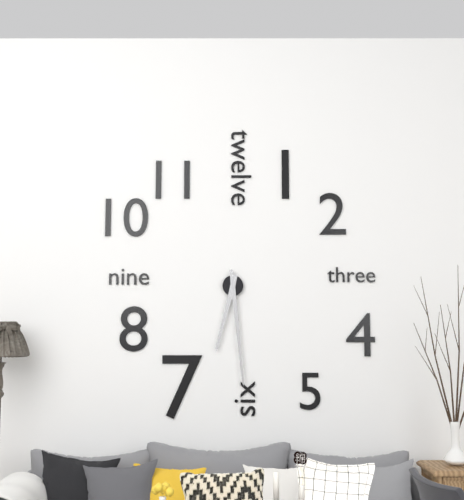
h=6 m=29
